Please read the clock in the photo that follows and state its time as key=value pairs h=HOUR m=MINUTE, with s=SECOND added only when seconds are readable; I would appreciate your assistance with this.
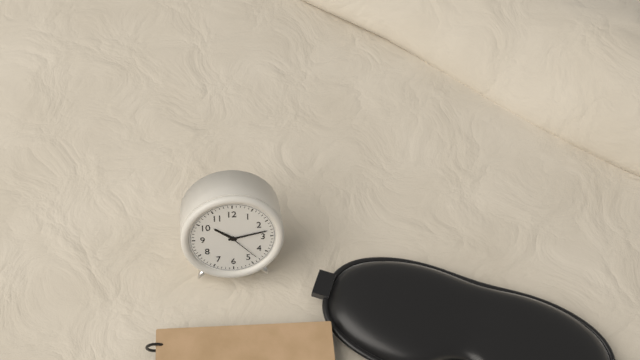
h=10 m=13
